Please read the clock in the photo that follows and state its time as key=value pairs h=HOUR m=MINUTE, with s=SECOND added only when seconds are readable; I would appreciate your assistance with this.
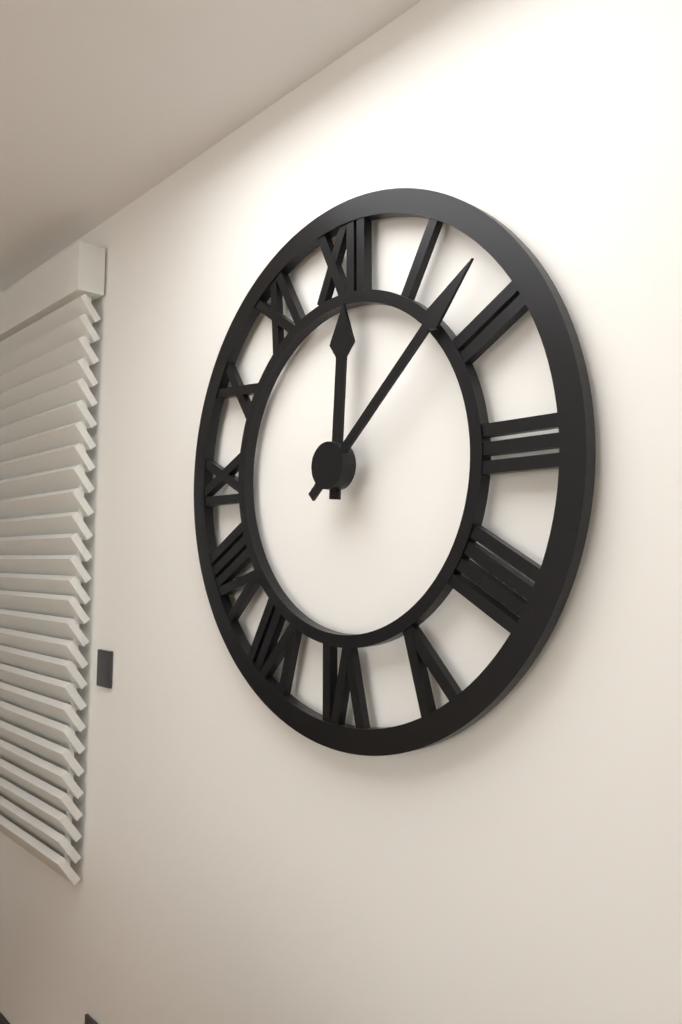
h=12 m=8
